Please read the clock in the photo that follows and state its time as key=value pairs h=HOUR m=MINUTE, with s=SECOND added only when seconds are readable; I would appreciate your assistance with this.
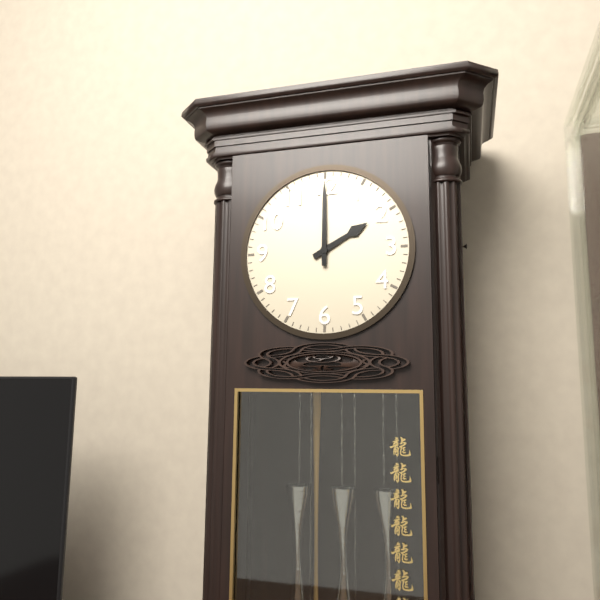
h=2 m=0
